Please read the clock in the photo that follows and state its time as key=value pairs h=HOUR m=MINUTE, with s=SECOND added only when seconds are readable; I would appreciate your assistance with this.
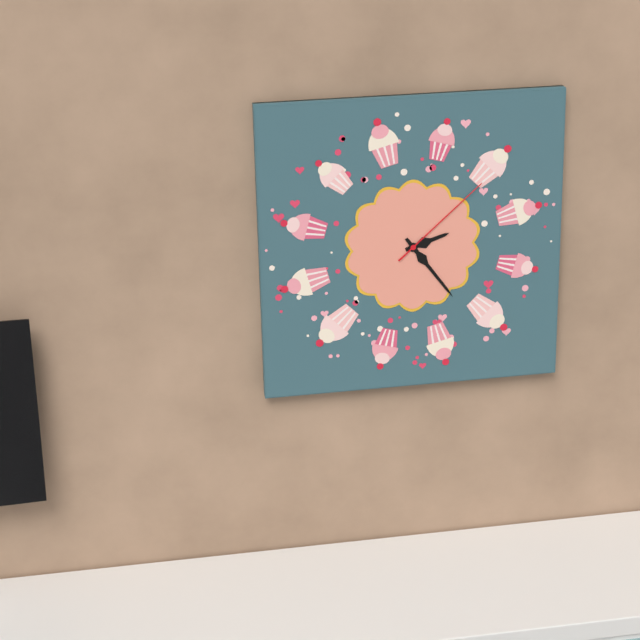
h=2 m=24 s=8
